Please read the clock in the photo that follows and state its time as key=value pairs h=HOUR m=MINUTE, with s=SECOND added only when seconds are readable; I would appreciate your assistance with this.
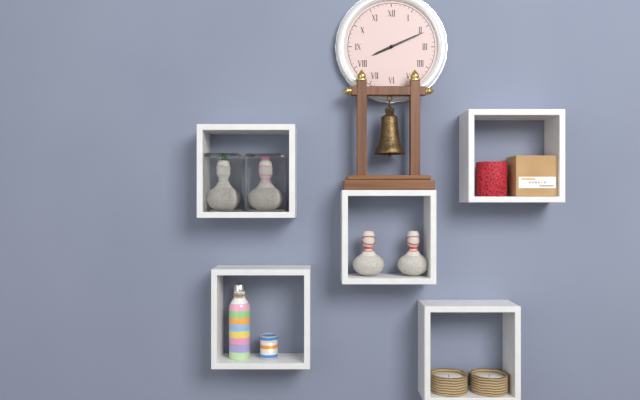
h=8 m=11
